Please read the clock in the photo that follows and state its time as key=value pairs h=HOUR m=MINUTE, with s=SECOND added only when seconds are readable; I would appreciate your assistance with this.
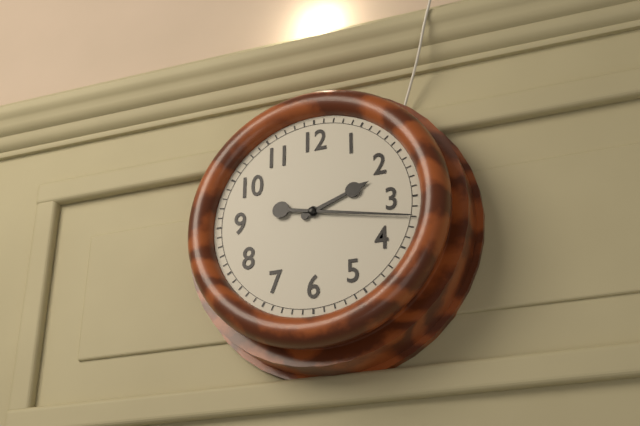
h=2 m=17
